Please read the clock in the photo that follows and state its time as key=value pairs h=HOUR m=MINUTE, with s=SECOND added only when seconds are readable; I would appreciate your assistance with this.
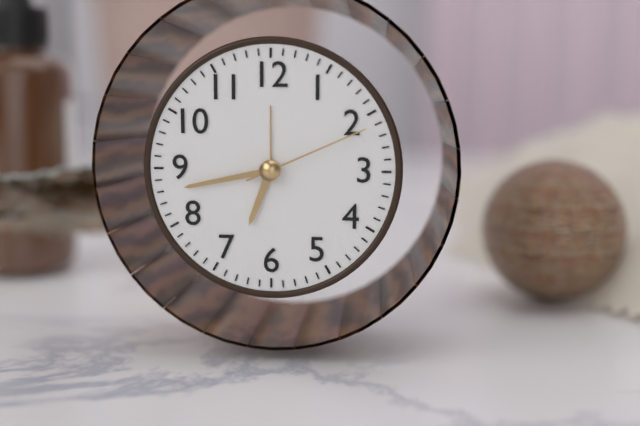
h=6 m=43 s=11
